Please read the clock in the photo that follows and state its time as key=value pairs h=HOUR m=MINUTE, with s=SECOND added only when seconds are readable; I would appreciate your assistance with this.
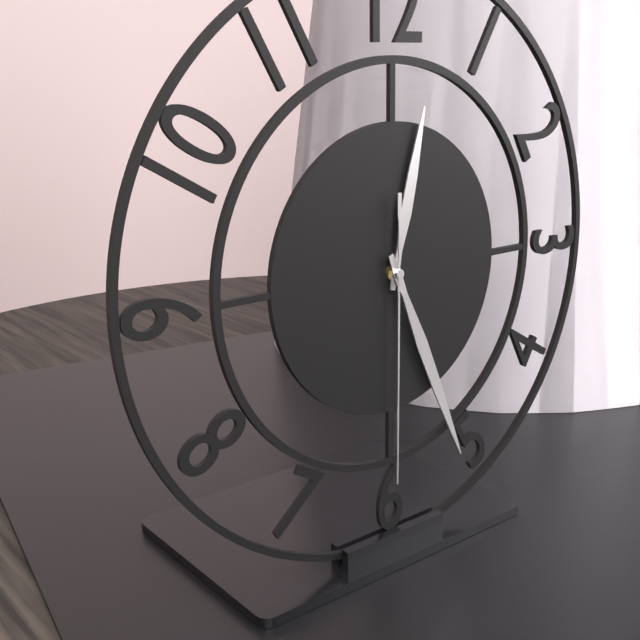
h=12 m=26 s=30
